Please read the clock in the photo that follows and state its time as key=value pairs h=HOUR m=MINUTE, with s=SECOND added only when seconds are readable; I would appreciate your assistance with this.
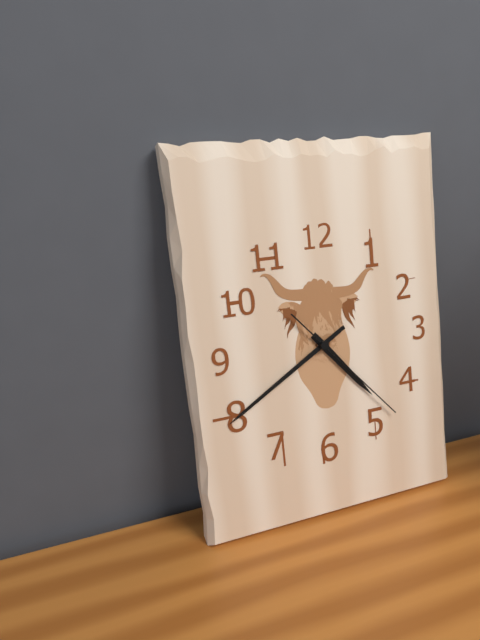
h=4 m=40 s=23
